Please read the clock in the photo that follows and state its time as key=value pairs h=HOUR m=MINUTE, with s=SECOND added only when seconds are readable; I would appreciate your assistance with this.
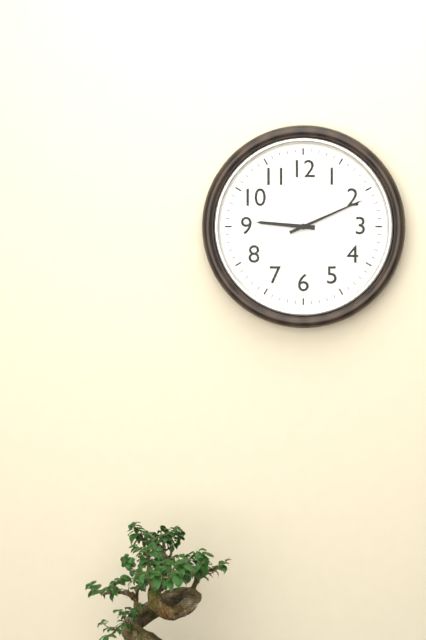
h=9 m=11
